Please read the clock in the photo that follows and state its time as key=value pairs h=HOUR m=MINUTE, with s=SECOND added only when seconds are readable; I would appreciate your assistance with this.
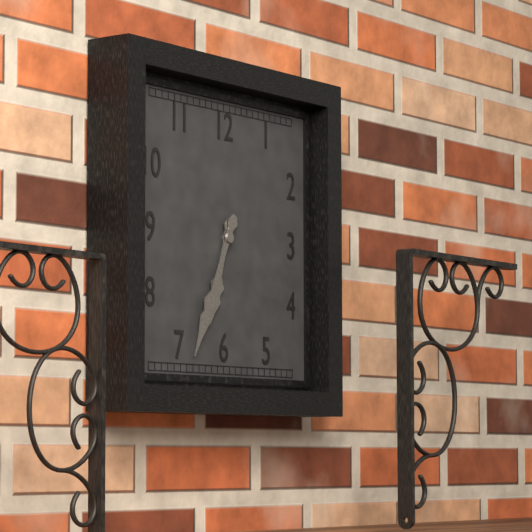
h=6 m=34
